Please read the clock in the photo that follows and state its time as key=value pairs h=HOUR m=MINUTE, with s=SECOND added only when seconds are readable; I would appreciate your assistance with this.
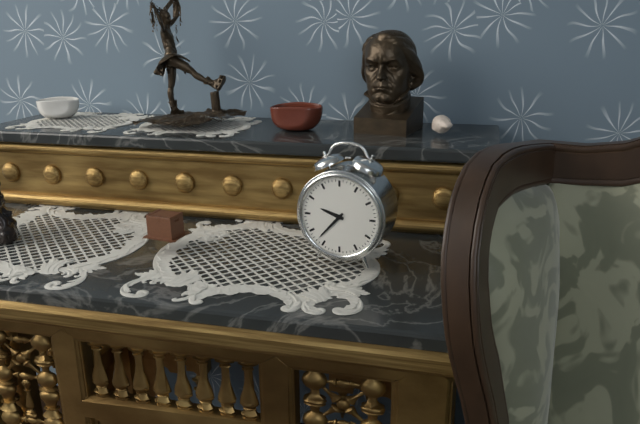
h=9 m=37
